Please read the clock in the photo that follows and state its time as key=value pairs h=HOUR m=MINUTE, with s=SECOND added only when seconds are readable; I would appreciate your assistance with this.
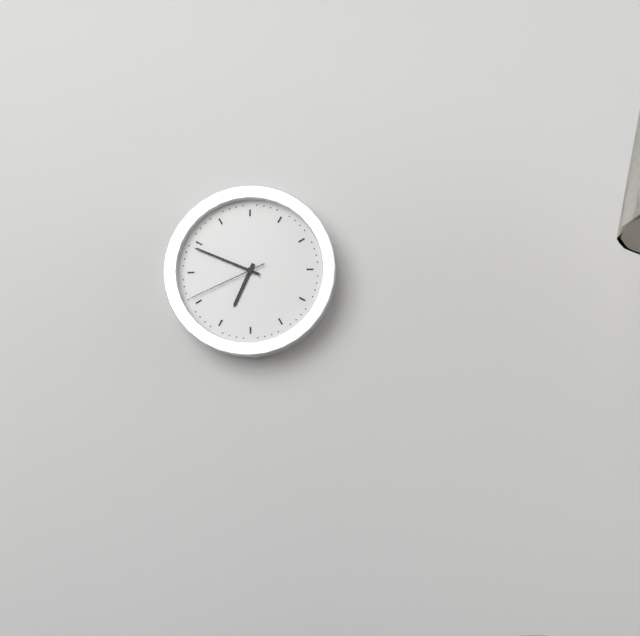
h=6 m=49 s=41
